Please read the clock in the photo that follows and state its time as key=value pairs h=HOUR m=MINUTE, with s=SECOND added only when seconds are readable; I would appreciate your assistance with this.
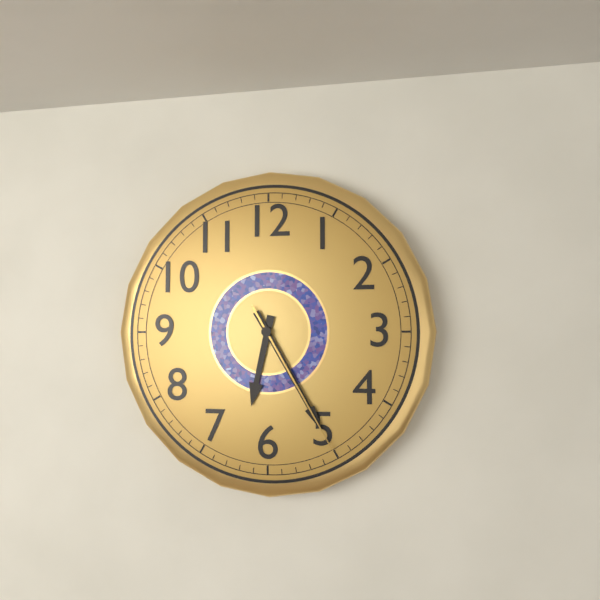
h=6 m=25 s=25
